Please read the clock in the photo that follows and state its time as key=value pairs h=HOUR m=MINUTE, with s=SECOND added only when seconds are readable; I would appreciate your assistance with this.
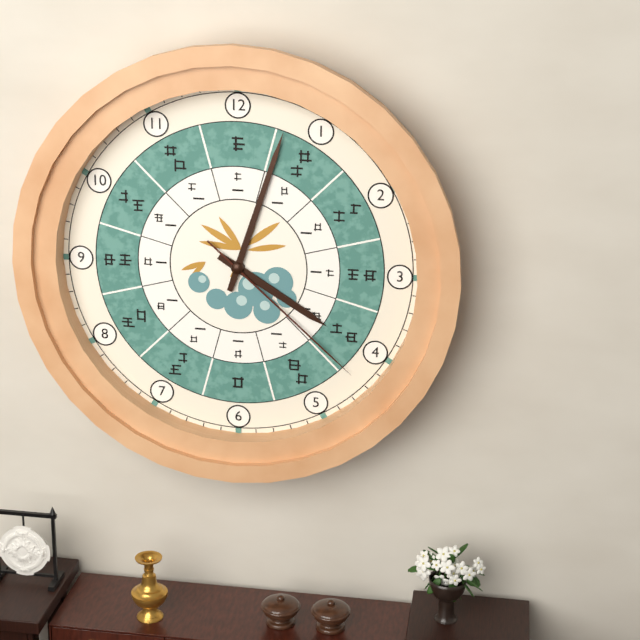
h=4 m=3 s=22
